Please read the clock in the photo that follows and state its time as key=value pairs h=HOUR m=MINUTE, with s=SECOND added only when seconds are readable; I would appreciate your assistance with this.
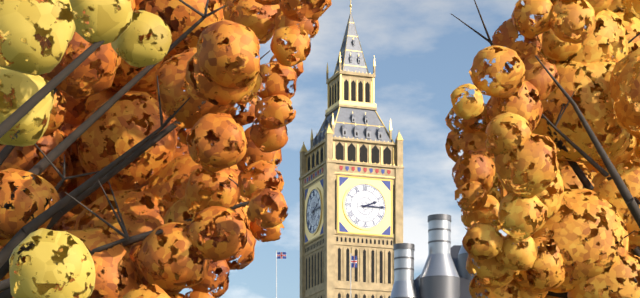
h=2 m=15
